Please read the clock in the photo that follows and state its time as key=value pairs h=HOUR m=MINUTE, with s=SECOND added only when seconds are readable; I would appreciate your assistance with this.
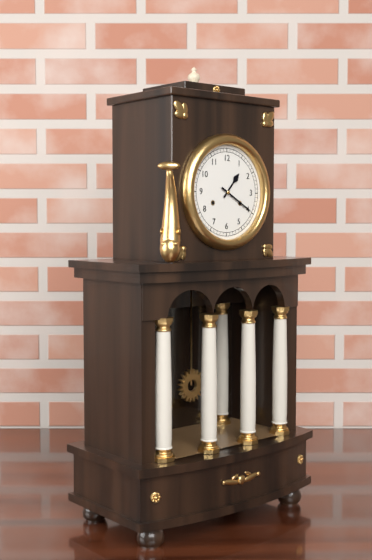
h=1 m=20
